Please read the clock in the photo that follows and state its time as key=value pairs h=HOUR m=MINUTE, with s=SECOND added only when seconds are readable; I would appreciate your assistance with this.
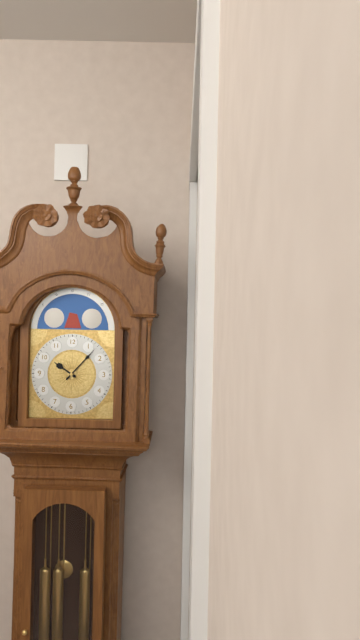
h=10 m=7
